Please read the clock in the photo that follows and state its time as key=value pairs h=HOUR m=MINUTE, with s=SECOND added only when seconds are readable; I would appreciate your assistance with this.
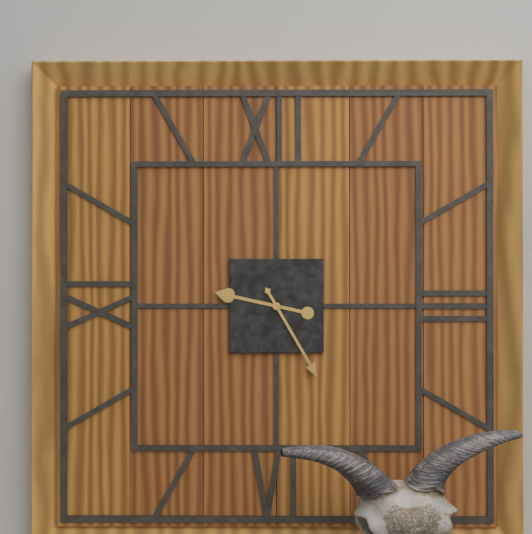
h=9 m=25
